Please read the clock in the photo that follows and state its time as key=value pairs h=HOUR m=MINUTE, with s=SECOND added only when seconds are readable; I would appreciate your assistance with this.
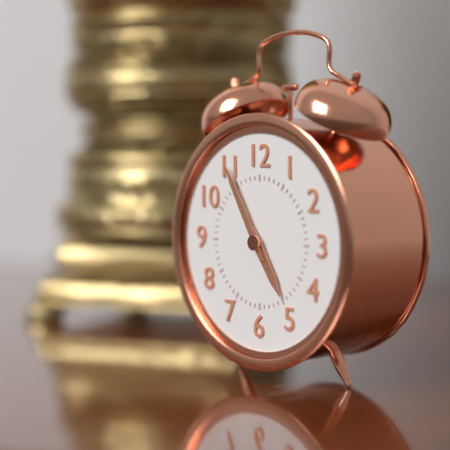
h=4 m=55
